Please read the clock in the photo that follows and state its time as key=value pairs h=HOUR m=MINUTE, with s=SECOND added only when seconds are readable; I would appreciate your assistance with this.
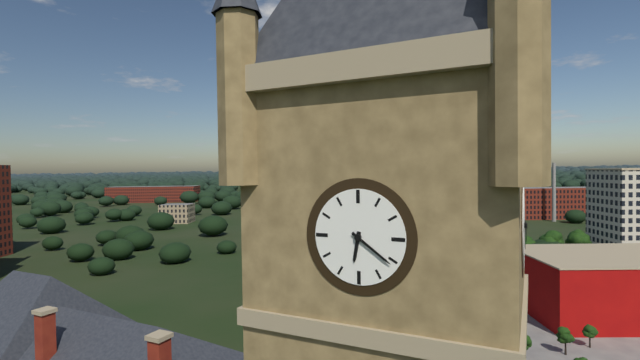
h=6 m=21
